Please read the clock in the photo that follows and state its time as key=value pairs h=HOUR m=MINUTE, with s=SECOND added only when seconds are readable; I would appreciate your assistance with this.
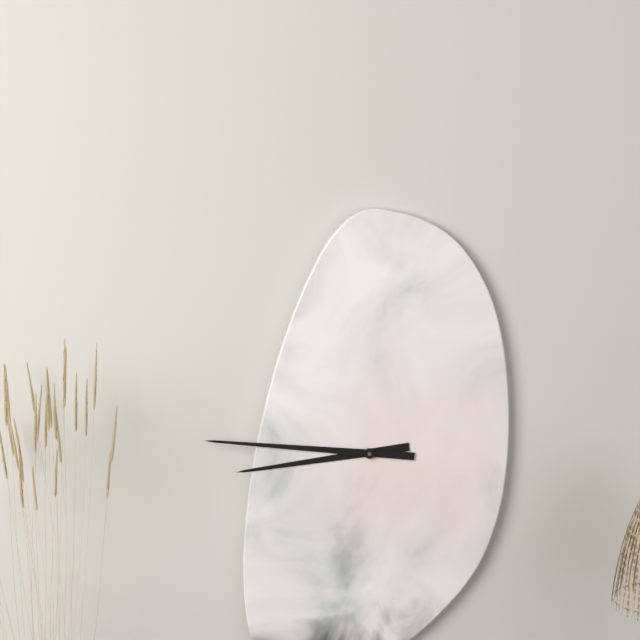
h=8 m=46
